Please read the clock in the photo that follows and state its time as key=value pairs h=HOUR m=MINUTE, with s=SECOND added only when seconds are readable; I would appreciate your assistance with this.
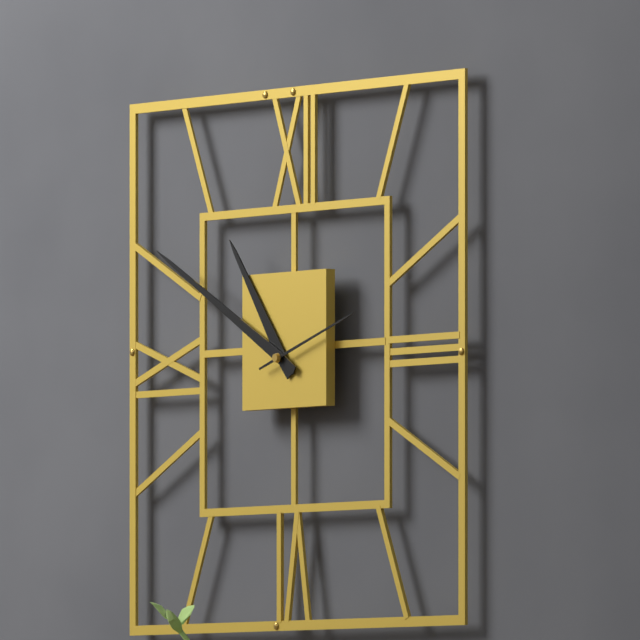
h=10 m=50 s=12
